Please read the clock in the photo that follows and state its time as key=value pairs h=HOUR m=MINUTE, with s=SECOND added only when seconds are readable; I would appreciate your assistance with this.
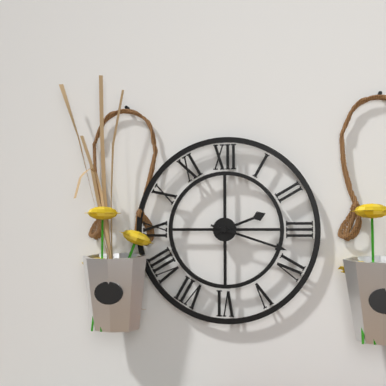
h=2 m=18
